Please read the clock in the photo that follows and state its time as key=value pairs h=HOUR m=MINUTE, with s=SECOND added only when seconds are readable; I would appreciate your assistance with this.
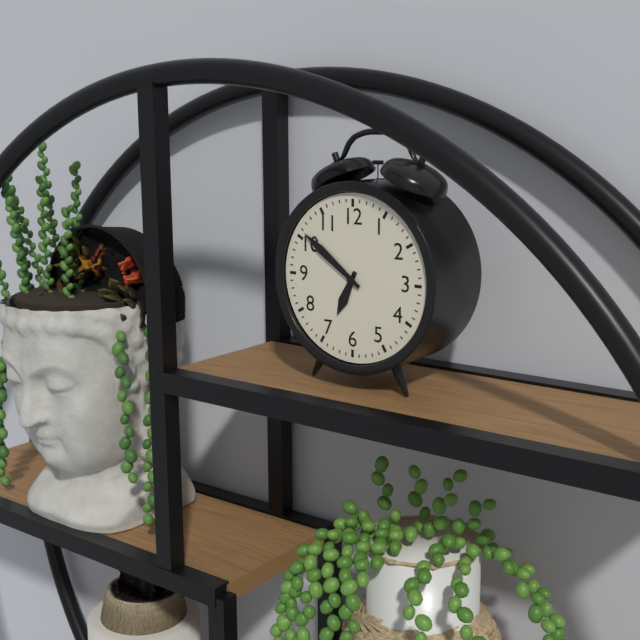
h=6 m=51
